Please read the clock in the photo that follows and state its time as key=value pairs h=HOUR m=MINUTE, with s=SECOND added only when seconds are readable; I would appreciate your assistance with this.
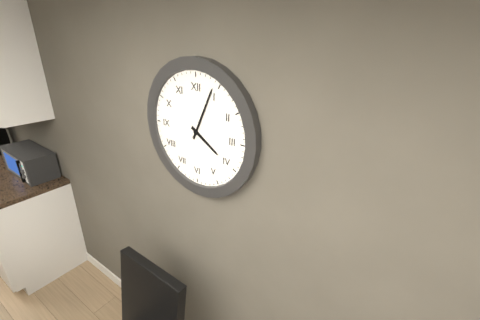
h=4 m=4
